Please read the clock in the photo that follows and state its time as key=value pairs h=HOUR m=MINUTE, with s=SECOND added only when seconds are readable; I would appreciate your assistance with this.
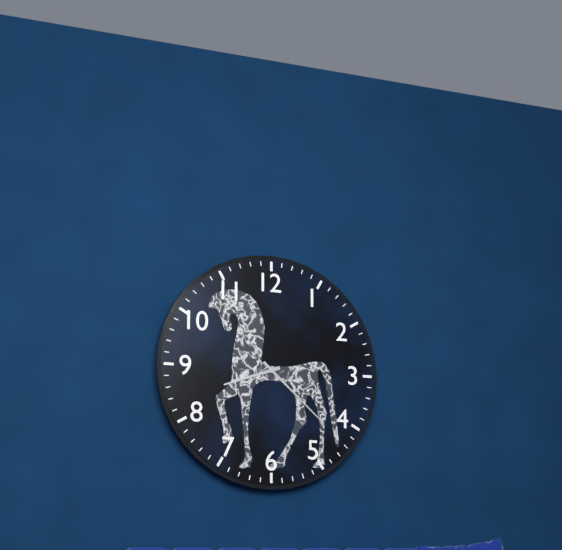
h=8 m=22
